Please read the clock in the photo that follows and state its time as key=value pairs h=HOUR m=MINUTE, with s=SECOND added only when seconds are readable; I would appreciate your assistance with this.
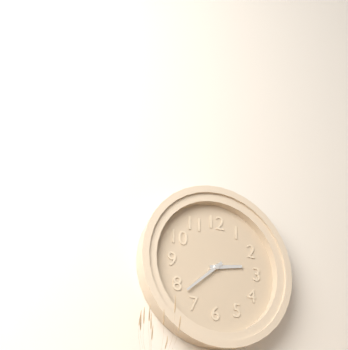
h=2 m=38
